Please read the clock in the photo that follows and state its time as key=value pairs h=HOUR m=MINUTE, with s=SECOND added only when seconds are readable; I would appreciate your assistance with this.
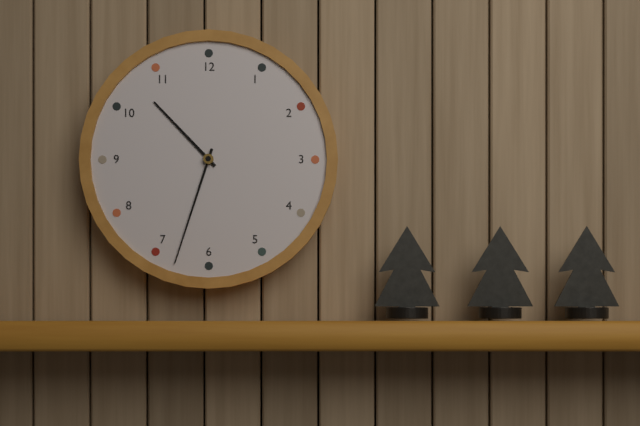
h=10 m=33
